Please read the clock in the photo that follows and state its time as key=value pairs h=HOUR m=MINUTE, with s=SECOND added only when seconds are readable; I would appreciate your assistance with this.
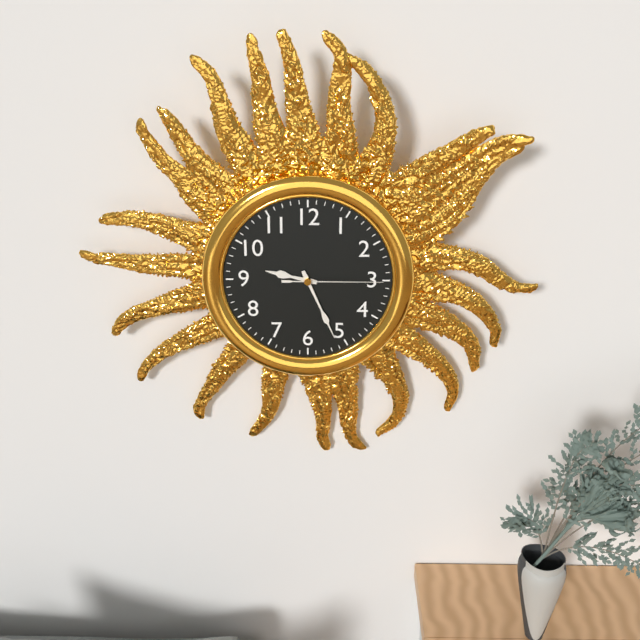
h=9 m=26 s=15
